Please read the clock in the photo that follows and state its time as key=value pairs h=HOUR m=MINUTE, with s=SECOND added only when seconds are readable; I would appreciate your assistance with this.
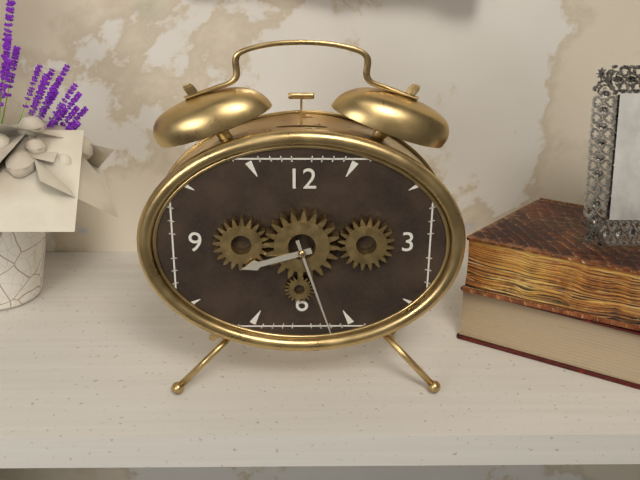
h=8 m=27
